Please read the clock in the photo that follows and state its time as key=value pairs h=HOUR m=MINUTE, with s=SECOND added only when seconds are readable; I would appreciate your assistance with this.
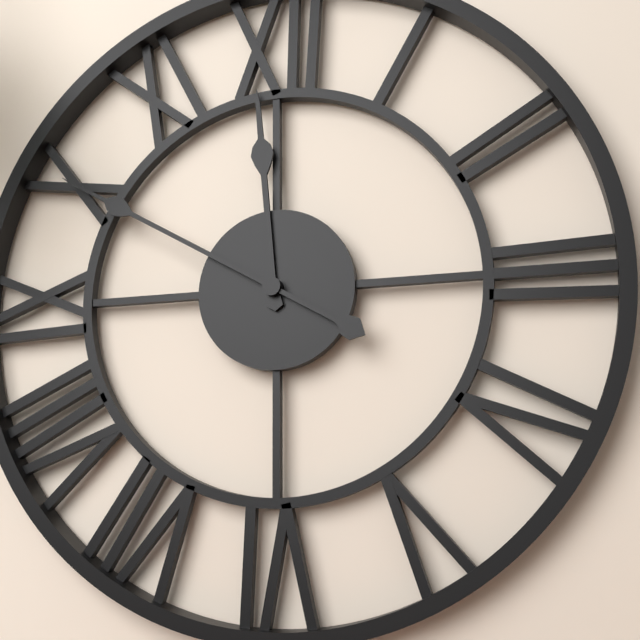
h=11 m=50
